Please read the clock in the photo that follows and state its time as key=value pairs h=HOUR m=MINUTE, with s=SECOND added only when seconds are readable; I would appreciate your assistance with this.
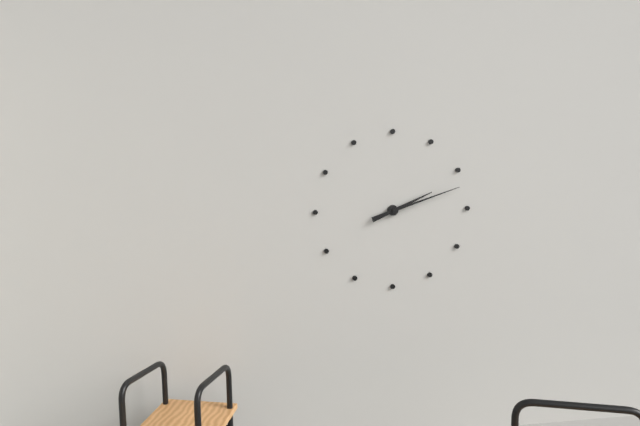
h=2 m=12
